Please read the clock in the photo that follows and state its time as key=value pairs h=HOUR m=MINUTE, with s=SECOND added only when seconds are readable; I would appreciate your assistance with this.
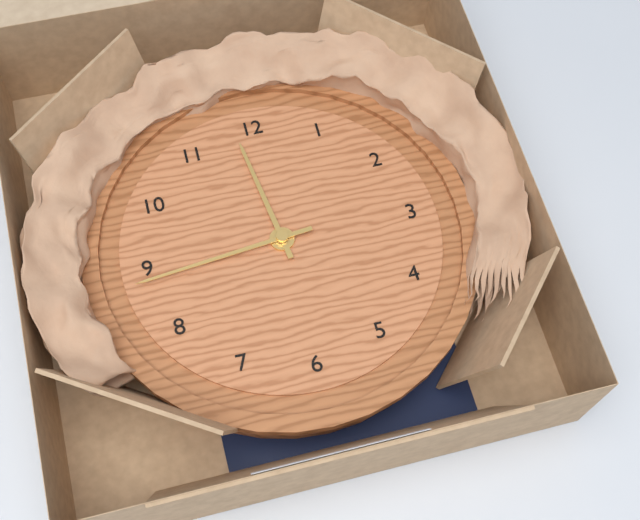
h=11 m=44
